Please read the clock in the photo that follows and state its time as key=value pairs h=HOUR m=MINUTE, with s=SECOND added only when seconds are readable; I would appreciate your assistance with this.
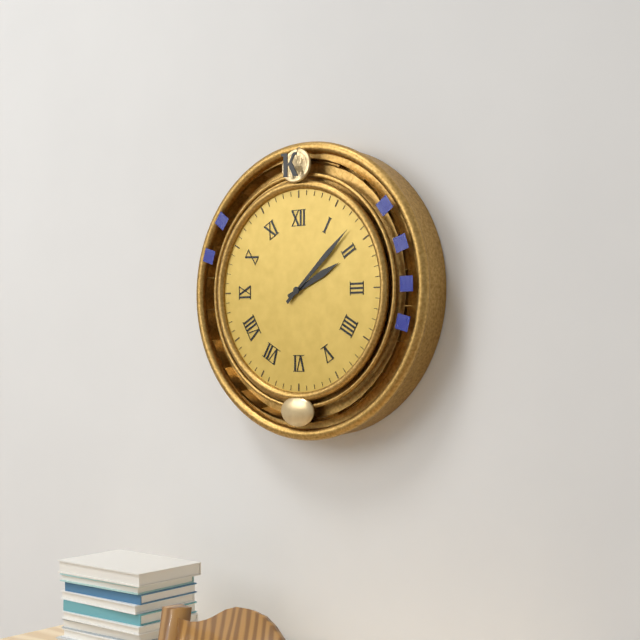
h=2 m=8
